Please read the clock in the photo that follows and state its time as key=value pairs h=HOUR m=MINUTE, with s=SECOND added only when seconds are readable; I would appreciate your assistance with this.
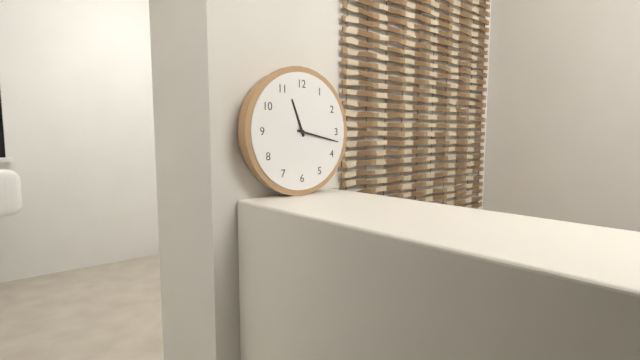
h=11 m=17
